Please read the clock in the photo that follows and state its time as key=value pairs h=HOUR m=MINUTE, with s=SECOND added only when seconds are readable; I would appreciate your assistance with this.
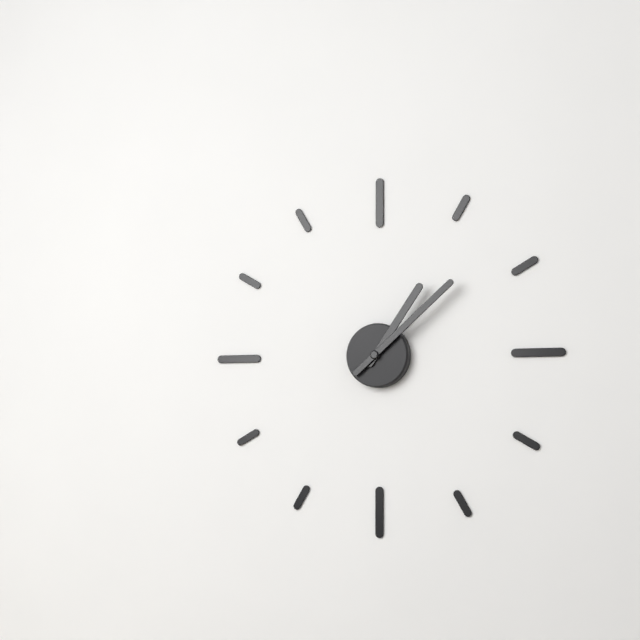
h=1 m=8
